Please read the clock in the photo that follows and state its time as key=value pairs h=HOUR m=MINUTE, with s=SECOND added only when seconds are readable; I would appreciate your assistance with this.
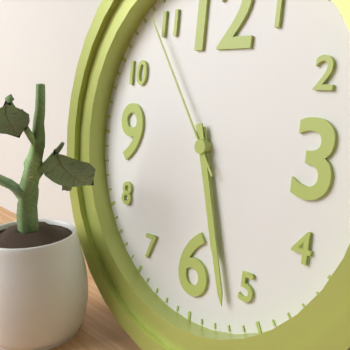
h=5 m=27 s=54
